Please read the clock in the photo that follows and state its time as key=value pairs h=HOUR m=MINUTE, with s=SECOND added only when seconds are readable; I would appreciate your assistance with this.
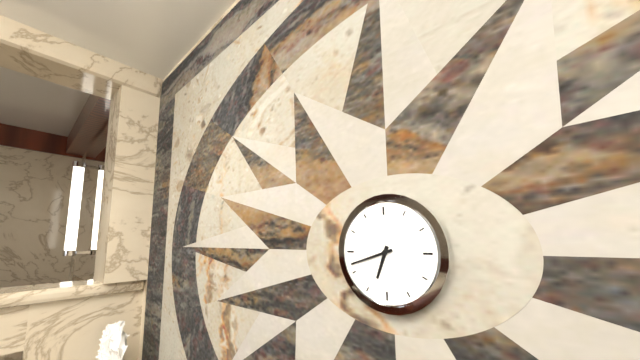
h=6 m=42
